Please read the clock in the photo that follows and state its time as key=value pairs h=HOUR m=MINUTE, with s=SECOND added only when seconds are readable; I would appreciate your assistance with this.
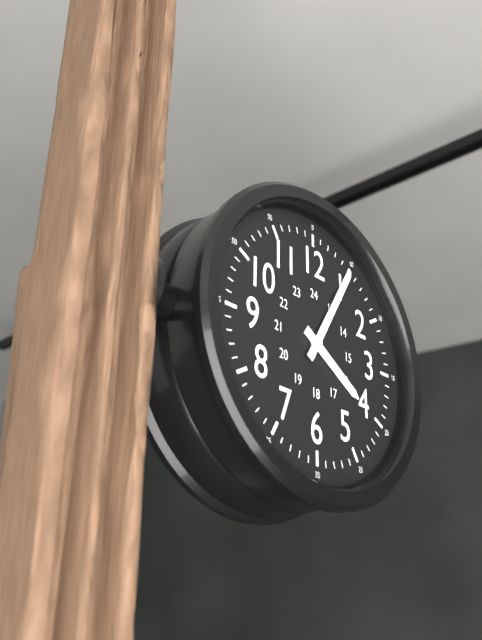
h=4 m=5
